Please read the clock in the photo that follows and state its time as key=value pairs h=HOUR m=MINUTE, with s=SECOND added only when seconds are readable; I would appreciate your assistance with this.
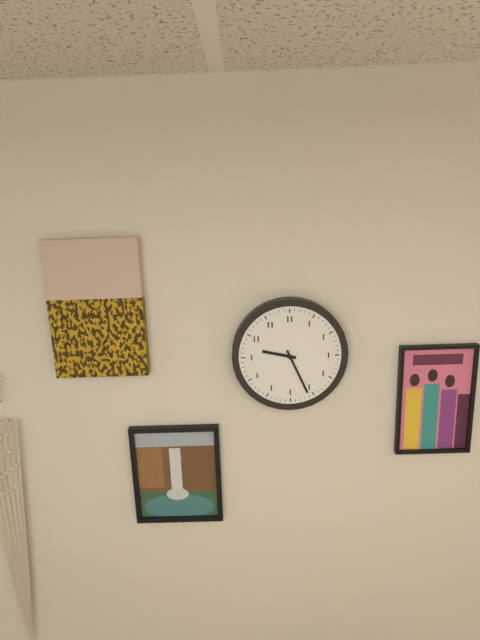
h=9 m=26
